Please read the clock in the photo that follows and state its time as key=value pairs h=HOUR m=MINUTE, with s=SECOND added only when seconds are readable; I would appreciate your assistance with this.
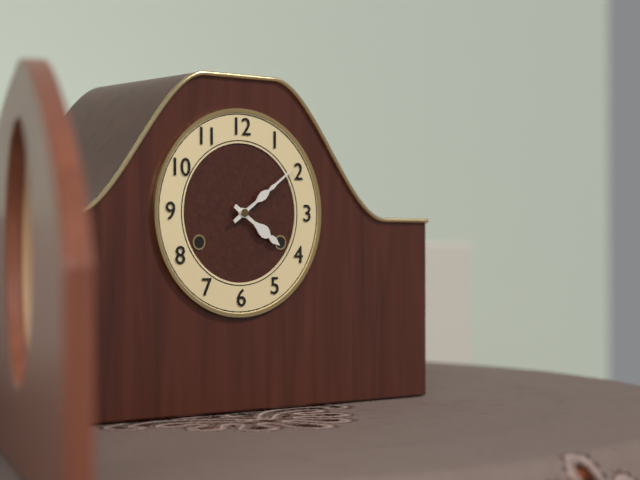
h=4 m=9
